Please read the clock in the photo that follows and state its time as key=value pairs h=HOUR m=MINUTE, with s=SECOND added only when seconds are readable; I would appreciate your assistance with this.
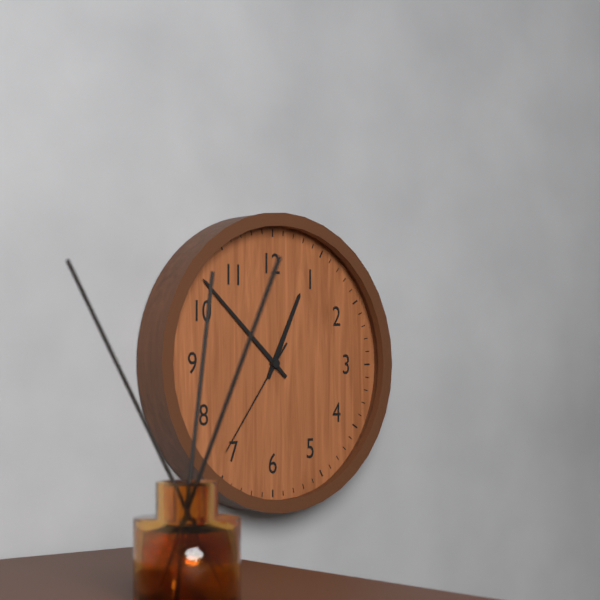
h=12 m=52 s=36
